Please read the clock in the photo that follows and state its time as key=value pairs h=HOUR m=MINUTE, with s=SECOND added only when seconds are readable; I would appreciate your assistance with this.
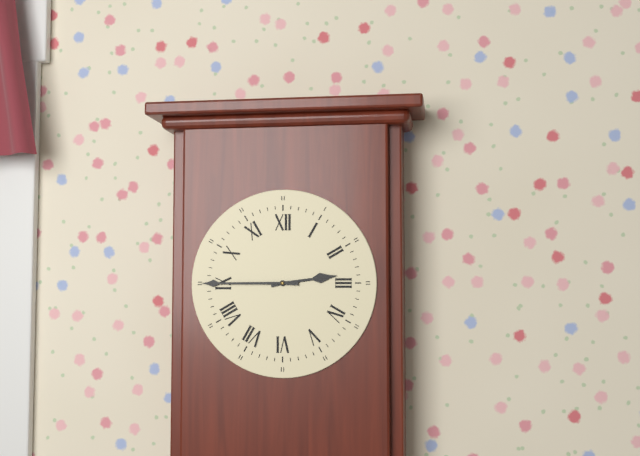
h=2 m=45
